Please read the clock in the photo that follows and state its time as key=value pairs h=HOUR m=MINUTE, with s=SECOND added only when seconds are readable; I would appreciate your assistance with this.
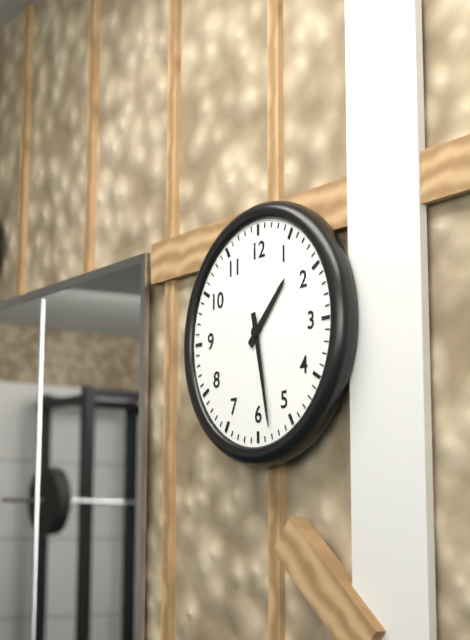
h=1 m=28
